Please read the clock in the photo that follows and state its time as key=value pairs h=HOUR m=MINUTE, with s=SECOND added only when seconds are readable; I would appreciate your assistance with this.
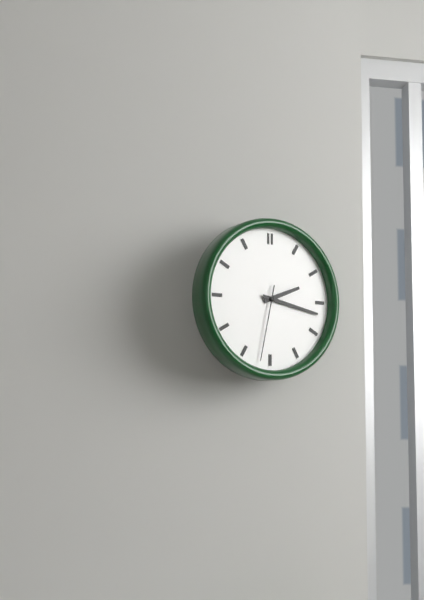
h=2 m=17 s=32
